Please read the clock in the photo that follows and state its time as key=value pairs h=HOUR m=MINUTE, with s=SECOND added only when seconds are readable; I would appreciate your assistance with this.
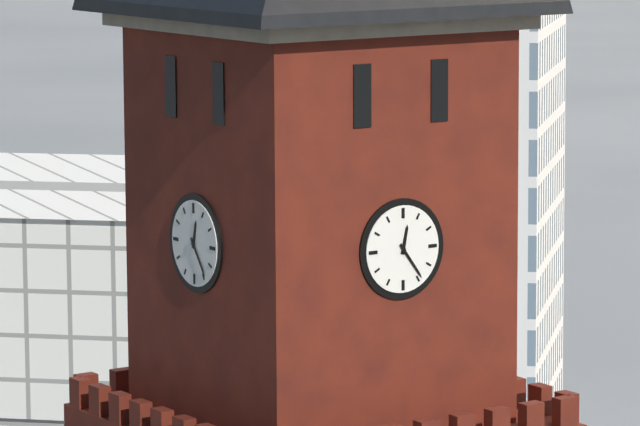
h=12 m=24
